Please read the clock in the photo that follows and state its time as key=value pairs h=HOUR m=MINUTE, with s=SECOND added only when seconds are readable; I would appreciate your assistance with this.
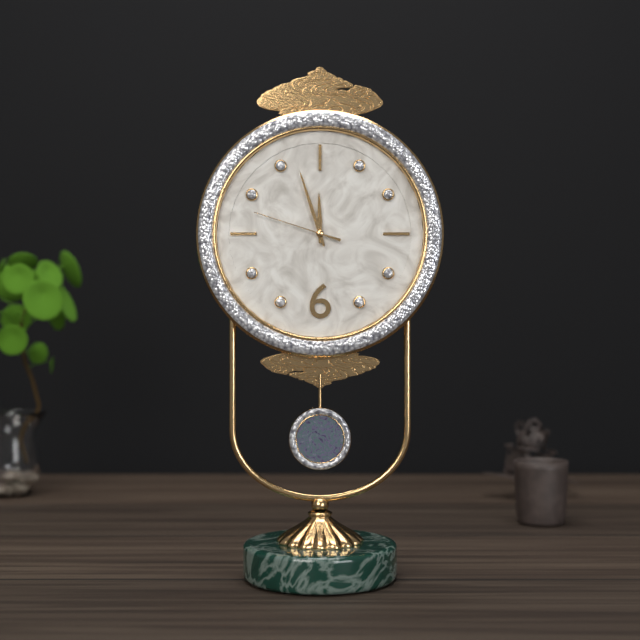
h=11 m=57 s=48
